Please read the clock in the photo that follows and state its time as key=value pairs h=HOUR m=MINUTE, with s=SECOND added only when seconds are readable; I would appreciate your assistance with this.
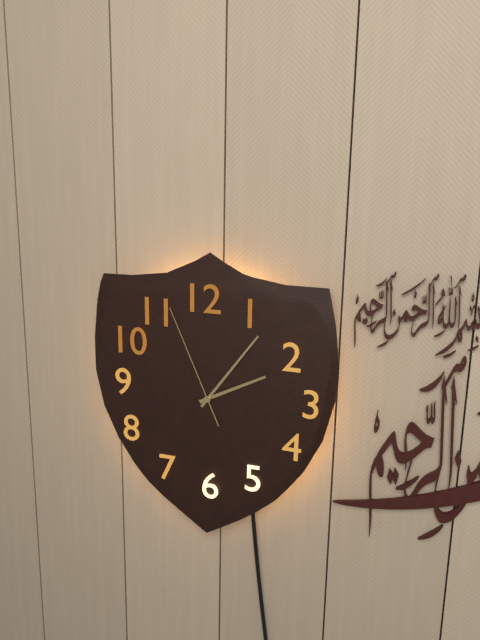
h=2 m=6 s=56
